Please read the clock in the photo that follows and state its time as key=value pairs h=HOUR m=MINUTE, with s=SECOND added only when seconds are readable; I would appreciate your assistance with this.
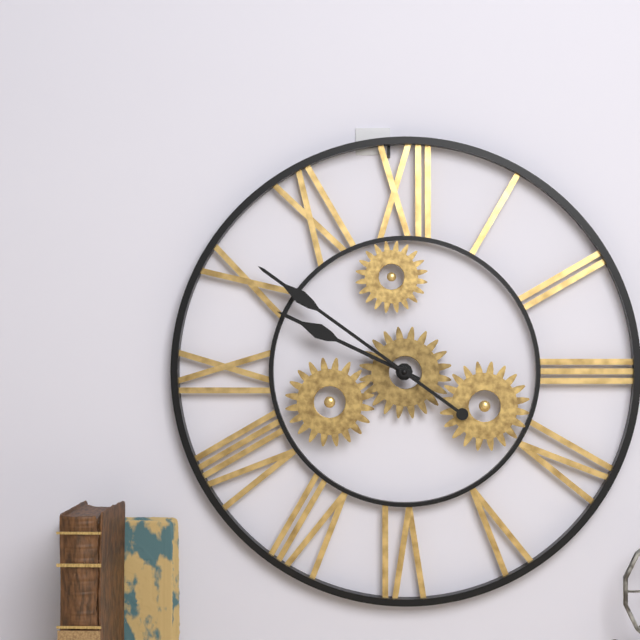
h=9 m=51
